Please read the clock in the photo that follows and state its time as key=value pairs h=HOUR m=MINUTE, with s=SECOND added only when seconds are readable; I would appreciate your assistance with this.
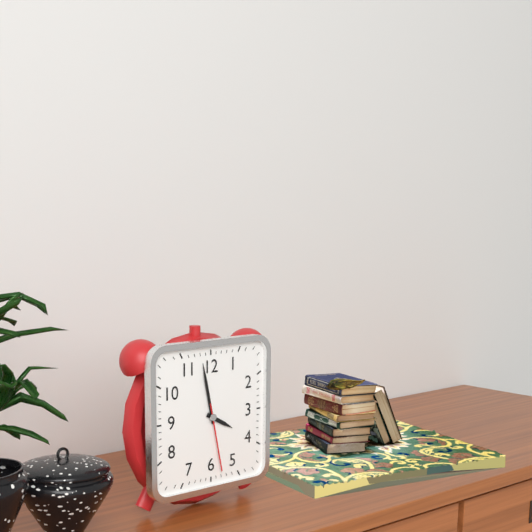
h=3 m=58 s=28
